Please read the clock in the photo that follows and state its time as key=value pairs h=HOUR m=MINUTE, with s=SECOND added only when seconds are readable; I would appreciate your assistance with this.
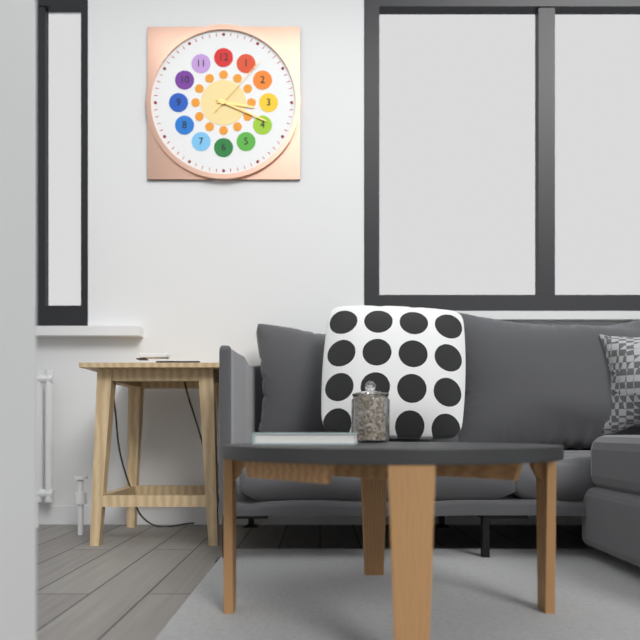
h=3 m=19 s=7
